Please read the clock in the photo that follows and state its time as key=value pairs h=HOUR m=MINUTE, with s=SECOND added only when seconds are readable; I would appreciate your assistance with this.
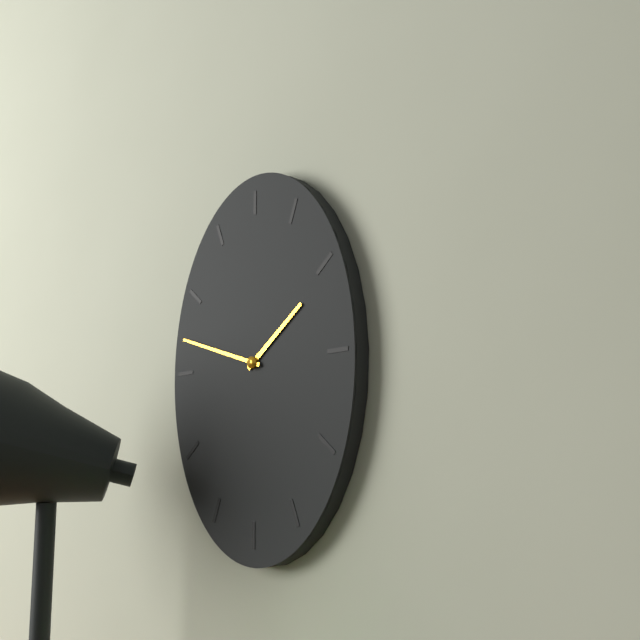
h=1 m=48
